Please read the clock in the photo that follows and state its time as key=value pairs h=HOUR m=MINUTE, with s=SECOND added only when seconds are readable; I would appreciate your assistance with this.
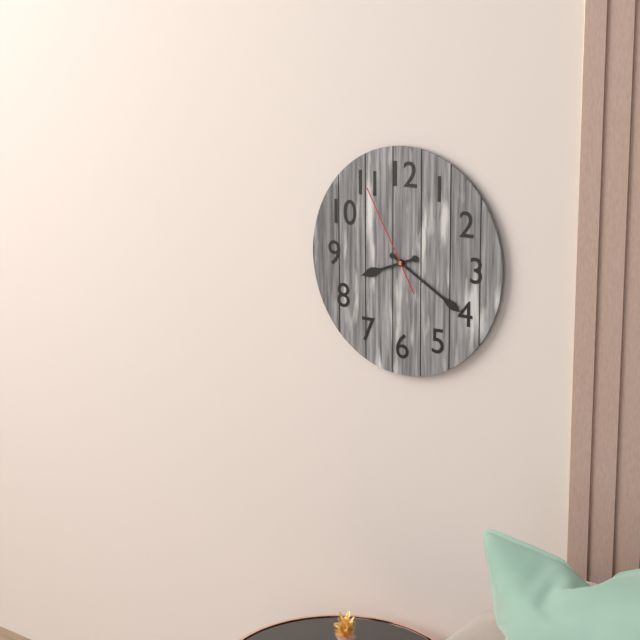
h=8 m=20 s=55
